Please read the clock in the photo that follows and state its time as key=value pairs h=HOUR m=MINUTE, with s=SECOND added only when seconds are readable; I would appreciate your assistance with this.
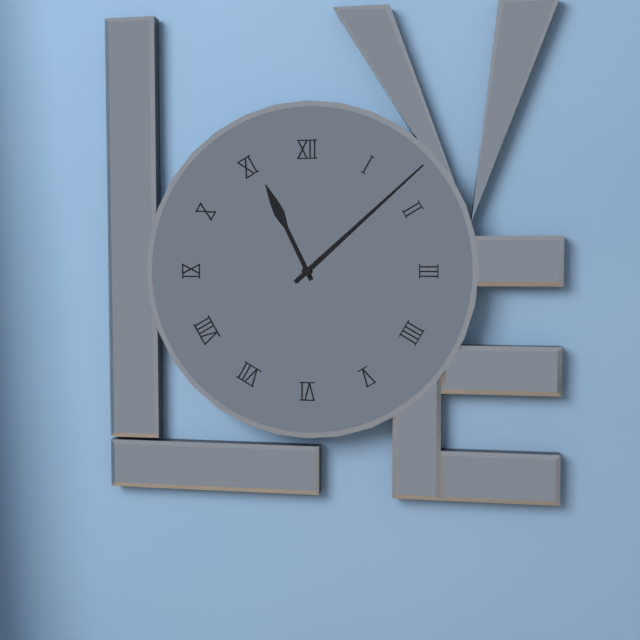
h=11 m=8
